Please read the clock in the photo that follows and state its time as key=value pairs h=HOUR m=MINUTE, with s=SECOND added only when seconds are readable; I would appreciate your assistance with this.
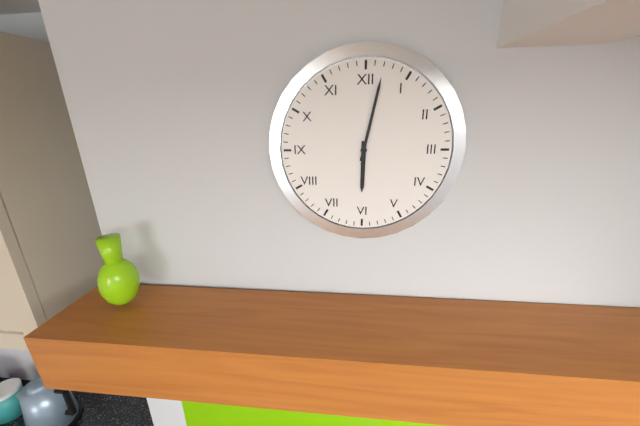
h=6 m=2
